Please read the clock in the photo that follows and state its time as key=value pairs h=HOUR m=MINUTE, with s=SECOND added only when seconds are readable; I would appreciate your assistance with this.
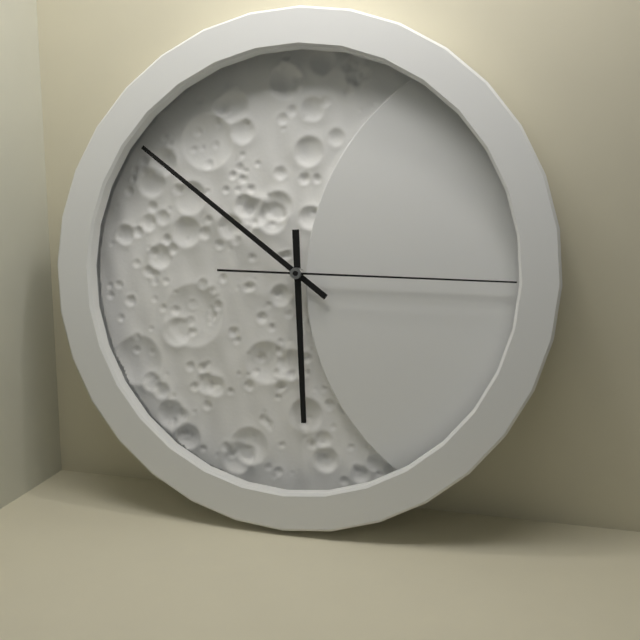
h=5 m=51 s=15
